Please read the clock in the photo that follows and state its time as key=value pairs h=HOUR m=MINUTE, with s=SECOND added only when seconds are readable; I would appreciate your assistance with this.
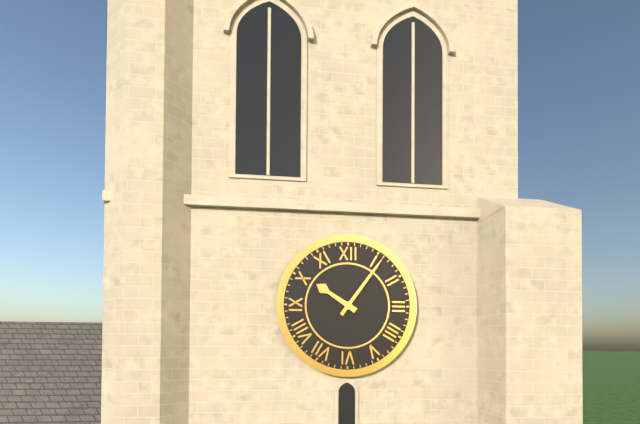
h=10 m=6
